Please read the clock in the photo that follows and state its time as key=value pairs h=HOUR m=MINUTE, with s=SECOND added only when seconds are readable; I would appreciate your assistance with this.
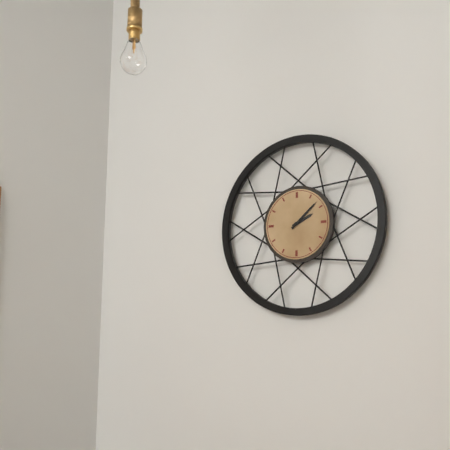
h=2 m=8
